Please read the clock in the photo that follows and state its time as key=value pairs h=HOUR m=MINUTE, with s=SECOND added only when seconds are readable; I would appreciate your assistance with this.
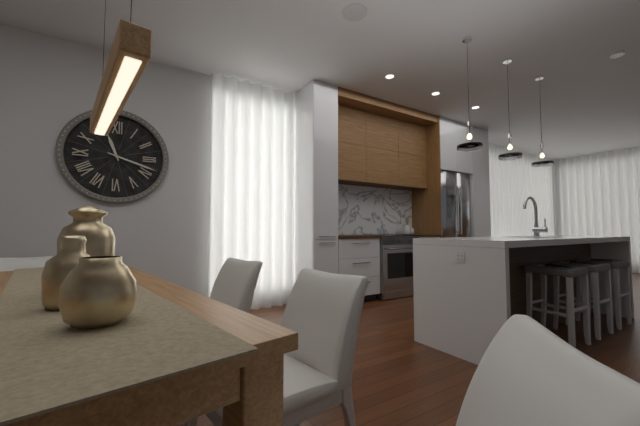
h=11 m=18
